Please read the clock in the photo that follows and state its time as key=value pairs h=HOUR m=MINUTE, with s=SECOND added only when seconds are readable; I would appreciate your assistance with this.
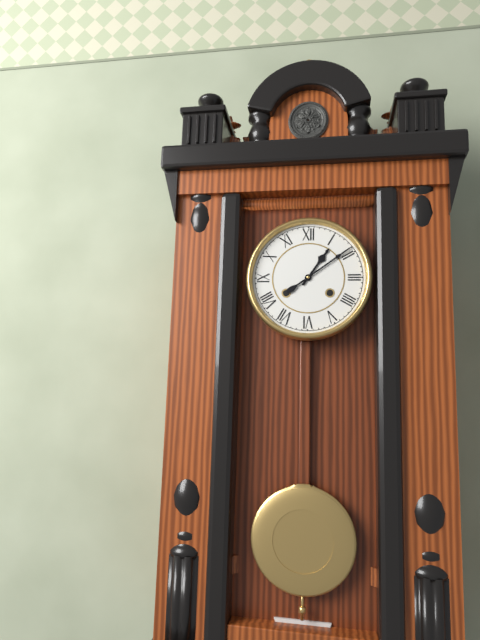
h=1 m=9
